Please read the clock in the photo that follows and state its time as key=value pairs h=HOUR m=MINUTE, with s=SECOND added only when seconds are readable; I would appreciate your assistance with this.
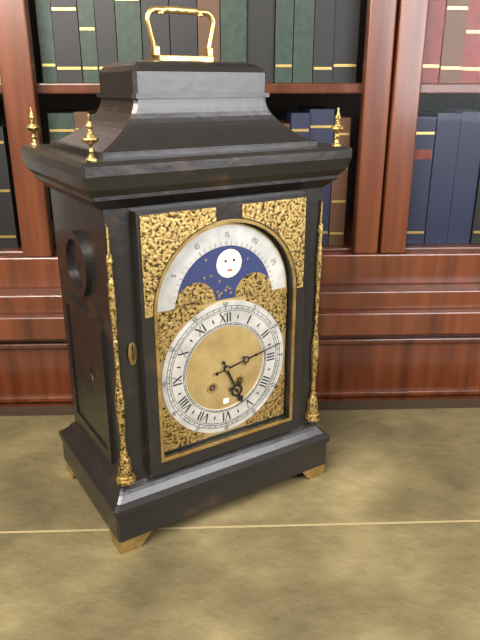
h=5 m=13
